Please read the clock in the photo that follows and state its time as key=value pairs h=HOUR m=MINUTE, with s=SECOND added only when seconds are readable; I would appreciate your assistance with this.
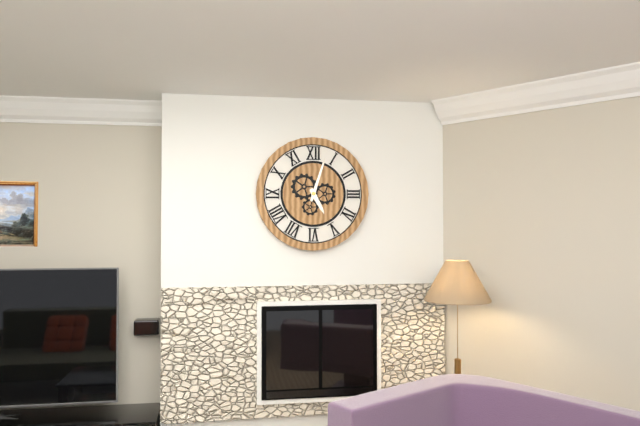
h=5 m=3
